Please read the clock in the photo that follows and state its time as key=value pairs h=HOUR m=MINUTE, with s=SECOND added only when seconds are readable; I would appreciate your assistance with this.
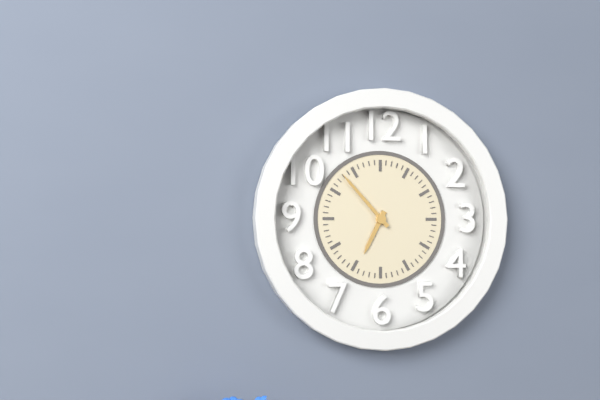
h=6 m=53
